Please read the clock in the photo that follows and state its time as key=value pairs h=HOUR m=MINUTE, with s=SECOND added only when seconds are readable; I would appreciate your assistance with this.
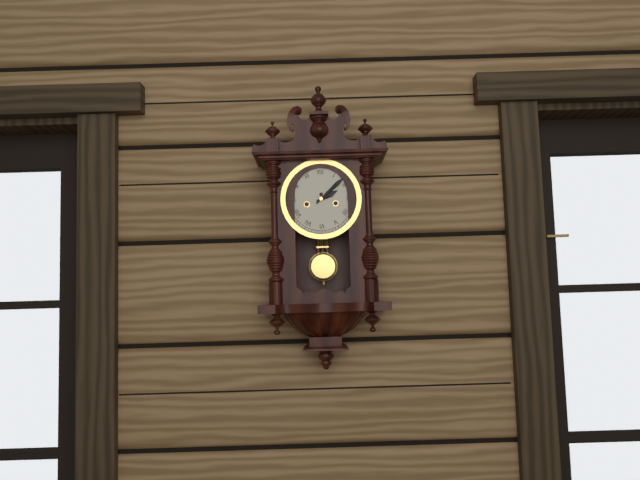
h=2 m=8
